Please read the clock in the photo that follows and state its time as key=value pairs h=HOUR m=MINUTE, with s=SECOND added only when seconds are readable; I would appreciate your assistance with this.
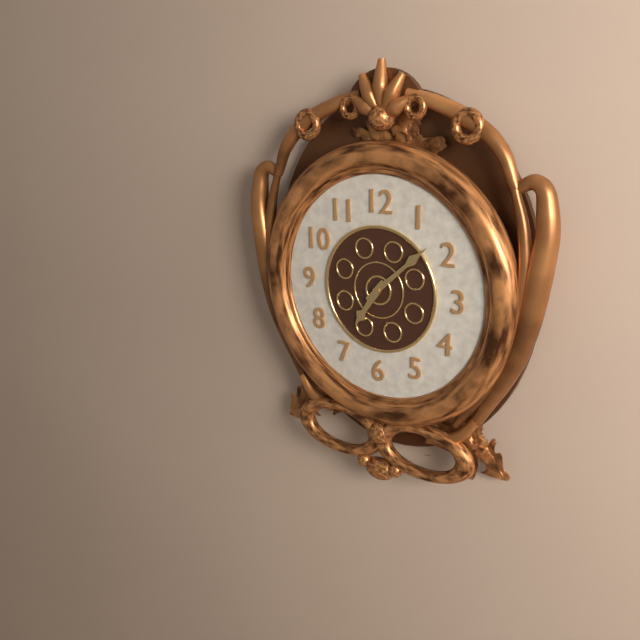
h=7 m=8
